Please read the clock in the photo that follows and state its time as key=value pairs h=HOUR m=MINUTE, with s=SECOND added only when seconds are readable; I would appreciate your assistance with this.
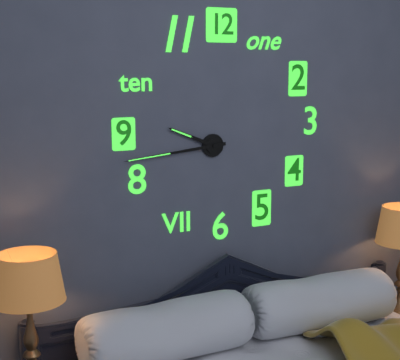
h=9 m=44
